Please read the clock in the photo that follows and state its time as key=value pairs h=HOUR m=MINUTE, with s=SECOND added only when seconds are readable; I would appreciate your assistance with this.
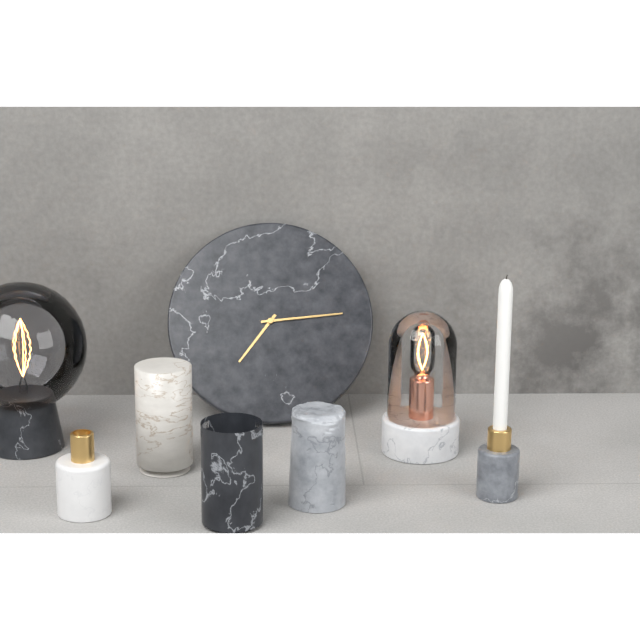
h=7 m=14
